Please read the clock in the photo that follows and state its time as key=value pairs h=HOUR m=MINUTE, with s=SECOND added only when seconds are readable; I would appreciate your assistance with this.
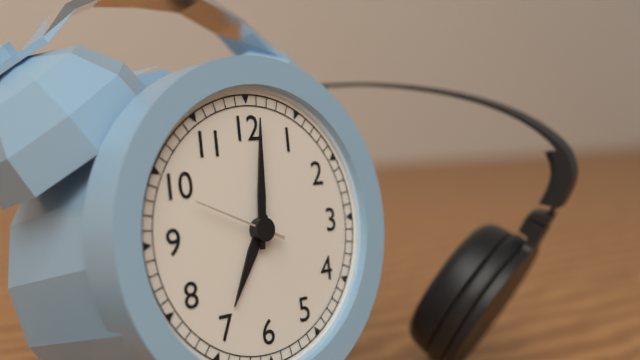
h=7 m=1 s=49
